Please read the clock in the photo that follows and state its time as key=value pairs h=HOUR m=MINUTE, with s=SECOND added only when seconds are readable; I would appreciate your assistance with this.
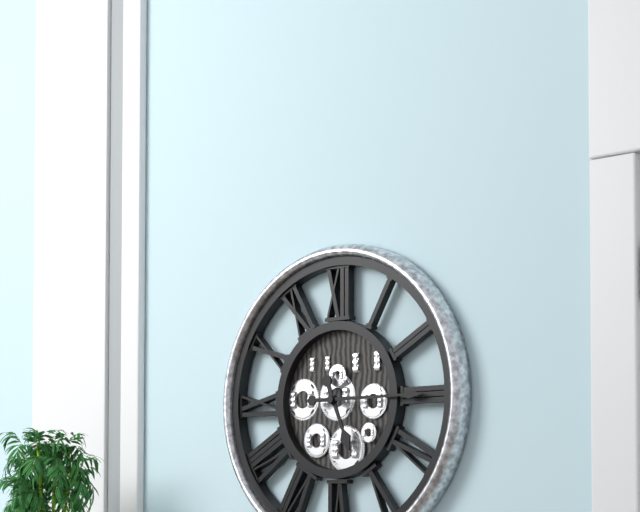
h=5 m=15
